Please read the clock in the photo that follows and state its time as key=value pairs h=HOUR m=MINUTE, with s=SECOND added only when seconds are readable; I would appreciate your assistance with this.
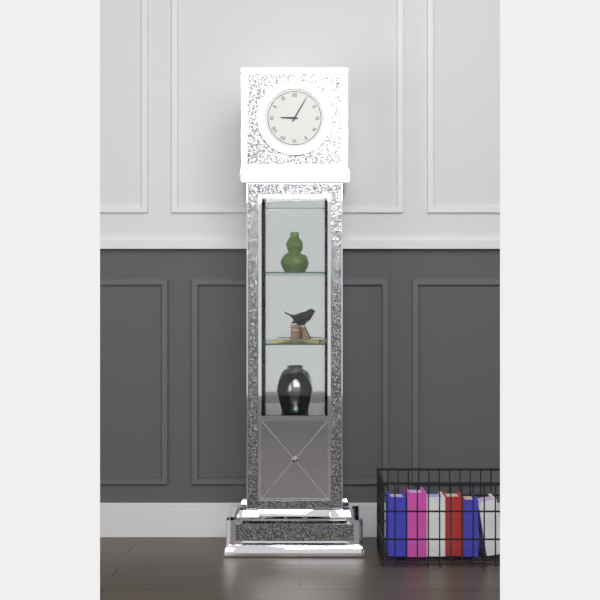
h=9 m=5
